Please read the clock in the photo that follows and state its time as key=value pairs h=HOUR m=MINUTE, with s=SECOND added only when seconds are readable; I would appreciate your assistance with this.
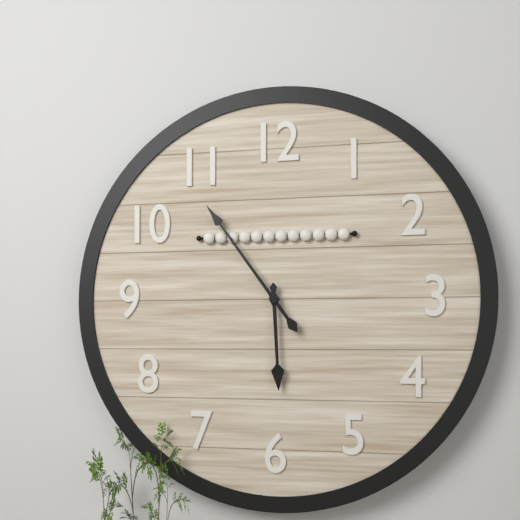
h=5 m=54
